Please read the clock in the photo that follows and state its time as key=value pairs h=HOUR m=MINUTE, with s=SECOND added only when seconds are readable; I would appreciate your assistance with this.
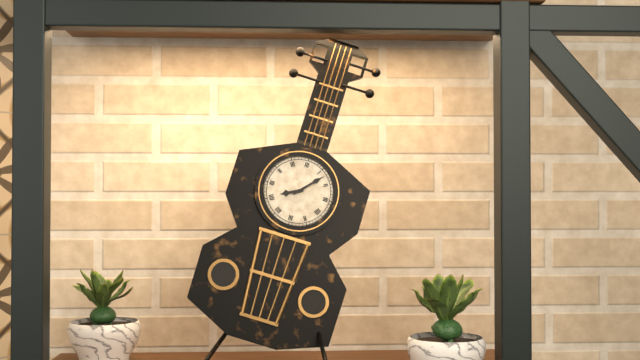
h=8 m=7
